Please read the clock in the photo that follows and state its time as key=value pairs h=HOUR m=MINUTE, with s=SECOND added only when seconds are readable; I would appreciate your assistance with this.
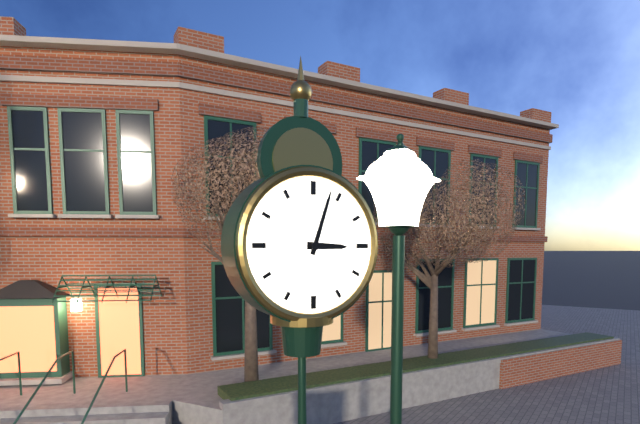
h=3 m=3
